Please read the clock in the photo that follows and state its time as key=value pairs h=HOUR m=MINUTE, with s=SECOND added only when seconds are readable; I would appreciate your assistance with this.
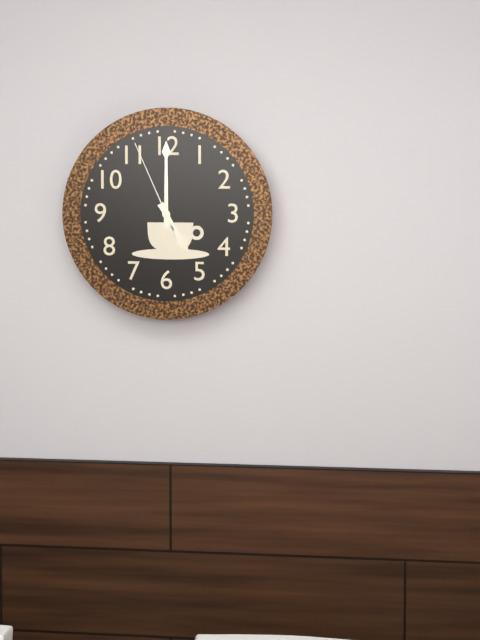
h=5 m=0 s=56
